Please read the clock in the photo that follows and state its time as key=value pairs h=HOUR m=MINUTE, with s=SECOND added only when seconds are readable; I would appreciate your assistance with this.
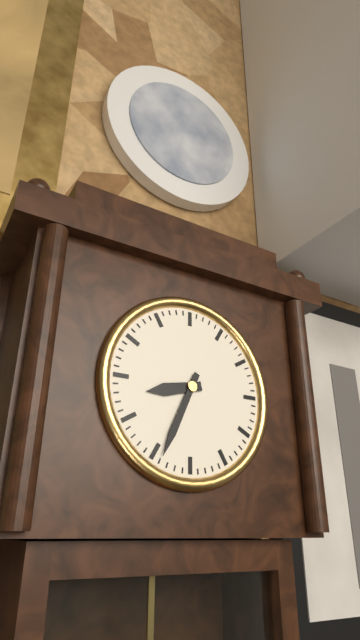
h=8 m=34
